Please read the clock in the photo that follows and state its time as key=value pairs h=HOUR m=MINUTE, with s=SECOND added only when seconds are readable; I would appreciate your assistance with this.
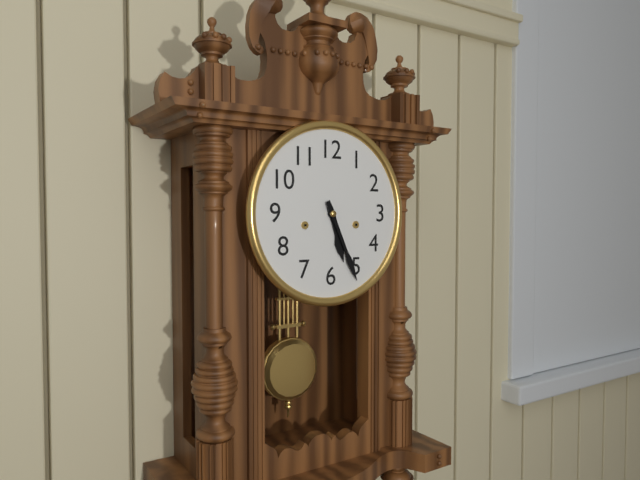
h=5 m=26
